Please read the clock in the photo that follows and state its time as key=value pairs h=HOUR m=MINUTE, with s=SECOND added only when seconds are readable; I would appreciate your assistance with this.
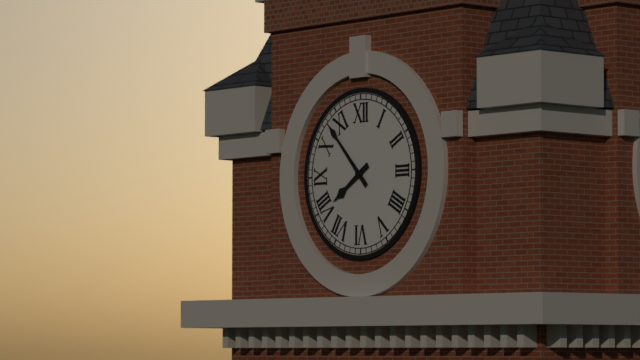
h=7 m=53
